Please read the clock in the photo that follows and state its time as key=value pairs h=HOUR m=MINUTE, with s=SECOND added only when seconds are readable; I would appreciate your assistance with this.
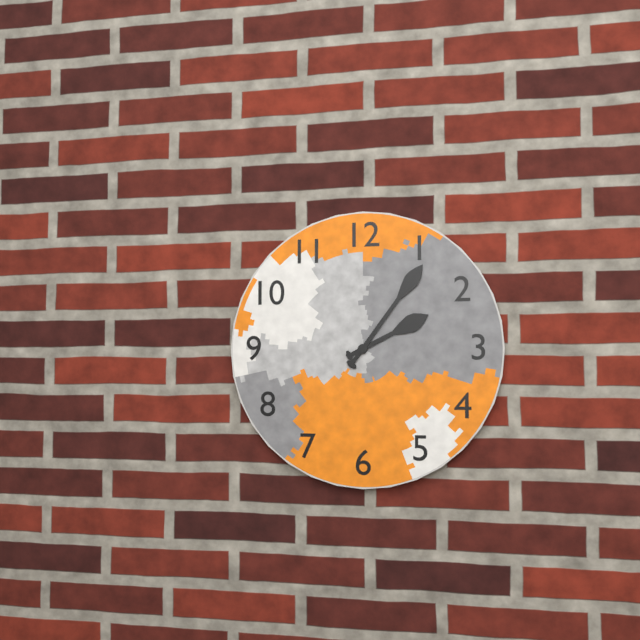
h=2 m=6
